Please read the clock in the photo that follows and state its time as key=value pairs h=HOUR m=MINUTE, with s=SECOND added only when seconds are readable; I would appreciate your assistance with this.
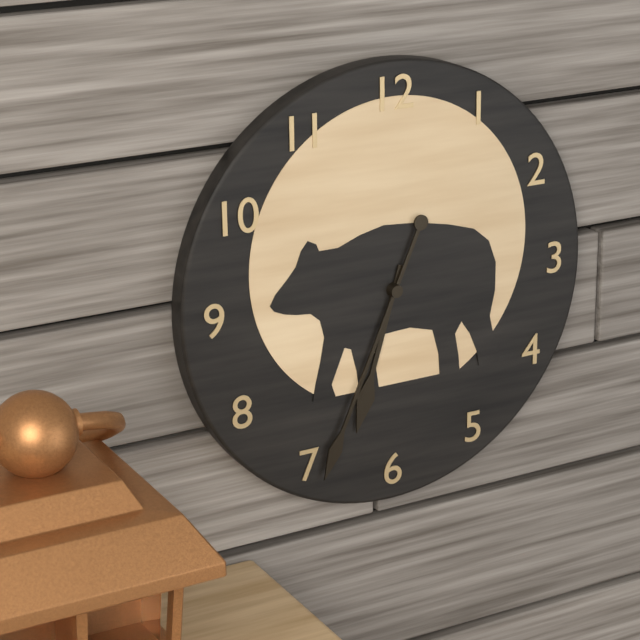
h=6 m=34
